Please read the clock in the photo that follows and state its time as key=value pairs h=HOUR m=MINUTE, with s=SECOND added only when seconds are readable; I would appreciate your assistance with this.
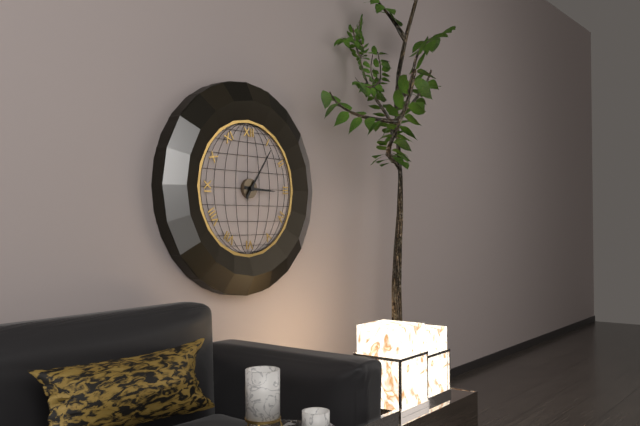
h=3 m=6
